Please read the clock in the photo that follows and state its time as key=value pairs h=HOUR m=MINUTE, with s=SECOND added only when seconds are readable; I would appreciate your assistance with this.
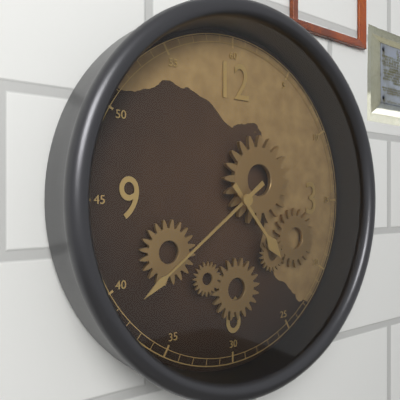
h=4 m=39
